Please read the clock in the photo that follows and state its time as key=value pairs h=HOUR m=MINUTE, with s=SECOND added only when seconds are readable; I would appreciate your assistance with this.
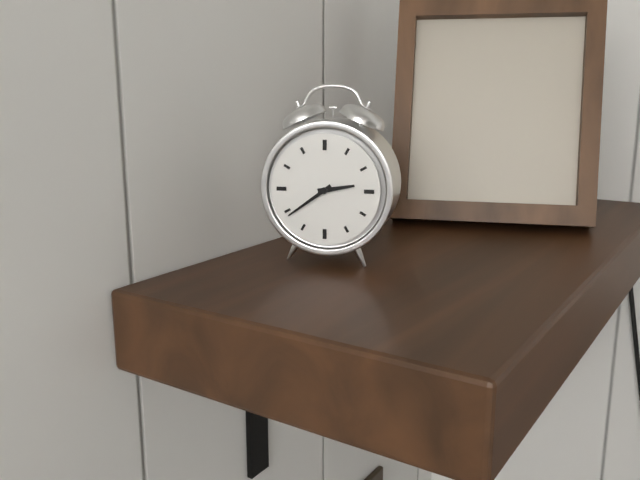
h=2 m=39
